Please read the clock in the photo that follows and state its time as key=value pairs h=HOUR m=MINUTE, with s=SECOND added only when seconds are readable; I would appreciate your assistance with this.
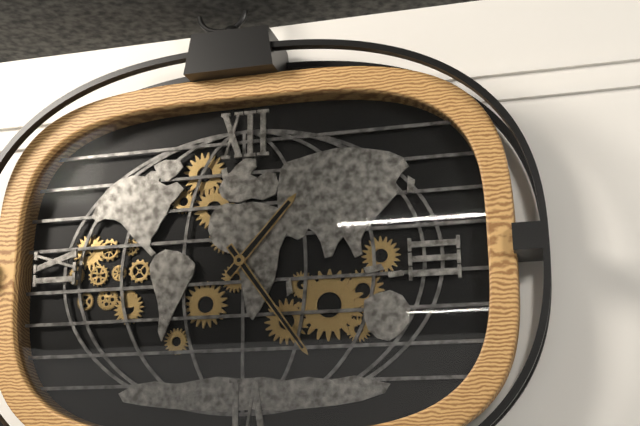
h=1 m=24
